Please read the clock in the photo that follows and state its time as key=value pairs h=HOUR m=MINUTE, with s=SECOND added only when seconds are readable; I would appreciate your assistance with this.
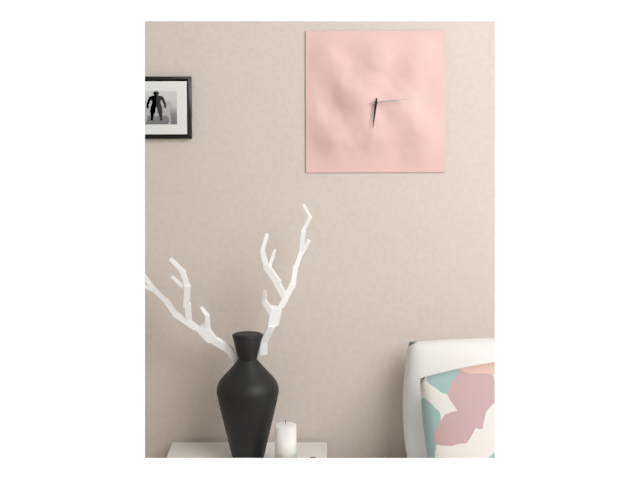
h=6 m=14
